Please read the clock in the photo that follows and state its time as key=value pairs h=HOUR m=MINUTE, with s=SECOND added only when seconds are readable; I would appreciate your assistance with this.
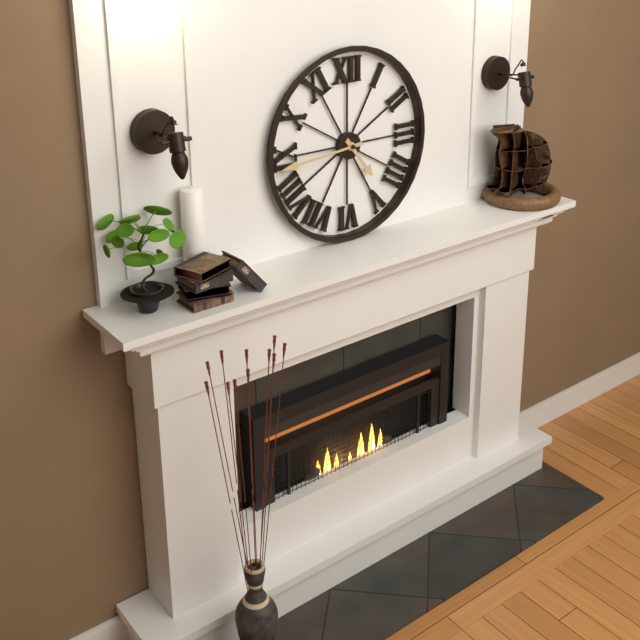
h=4 m=44
